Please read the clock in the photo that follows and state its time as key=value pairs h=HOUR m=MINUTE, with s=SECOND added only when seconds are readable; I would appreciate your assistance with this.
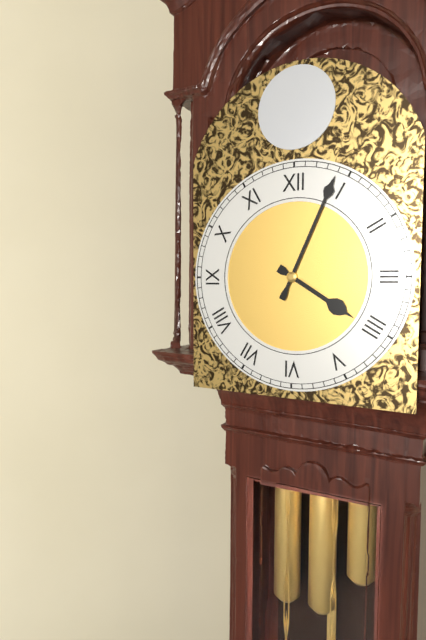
h=4 m=4
